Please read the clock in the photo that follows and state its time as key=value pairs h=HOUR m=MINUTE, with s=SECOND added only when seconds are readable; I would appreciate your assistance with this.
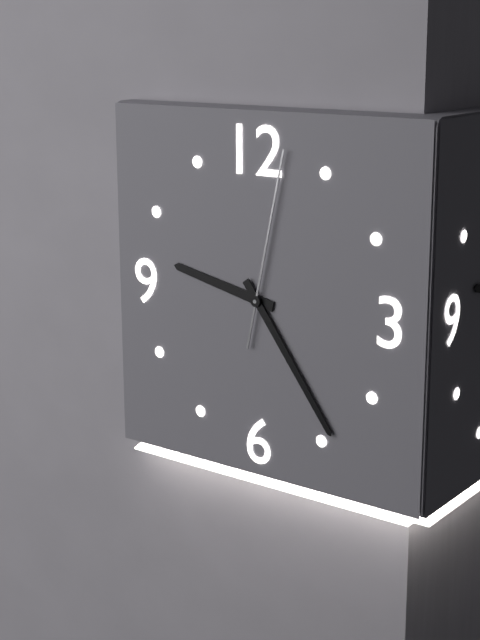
h=9 m=24 s=2
